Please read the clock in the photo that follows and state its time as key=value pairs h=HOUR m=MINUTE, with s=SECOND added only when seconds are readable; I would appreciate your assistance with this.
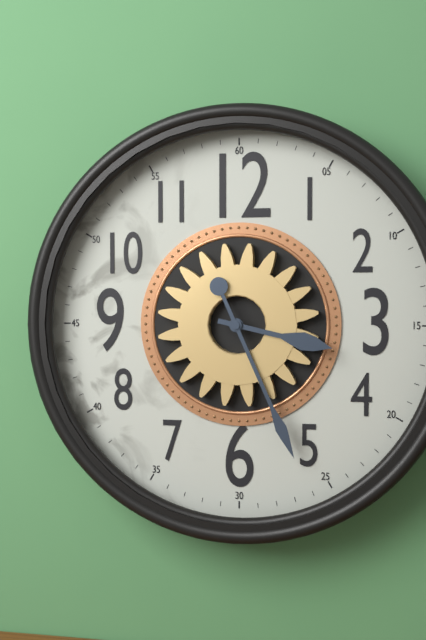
h=3 m=26
